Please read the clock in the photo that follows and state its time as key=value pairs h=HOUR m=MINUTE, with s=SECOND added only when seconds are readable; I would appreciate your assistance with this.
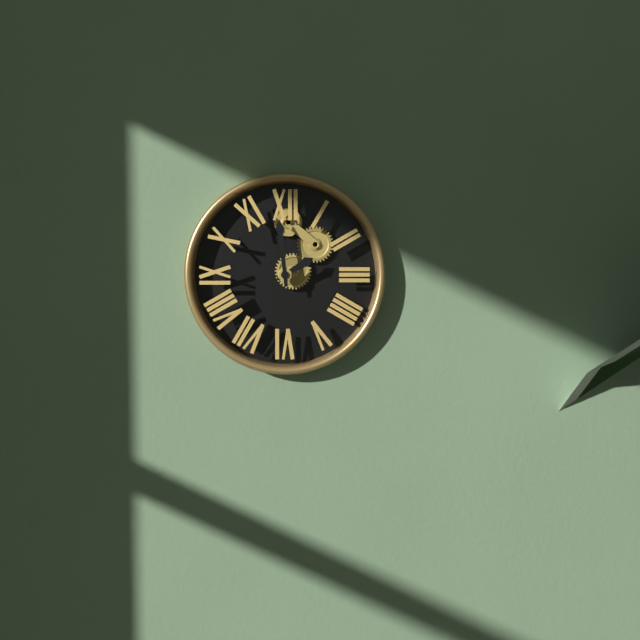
h=1 m=59
